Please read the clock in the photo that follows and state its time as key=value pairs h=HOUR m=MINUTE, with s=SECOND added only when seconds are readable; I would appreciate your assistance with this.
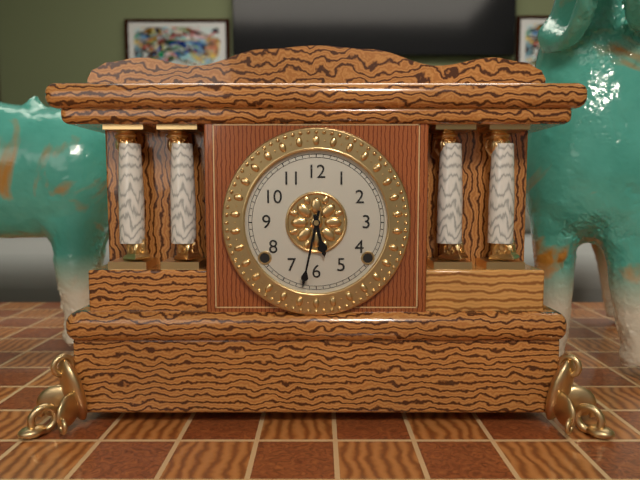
h=5 m=32
